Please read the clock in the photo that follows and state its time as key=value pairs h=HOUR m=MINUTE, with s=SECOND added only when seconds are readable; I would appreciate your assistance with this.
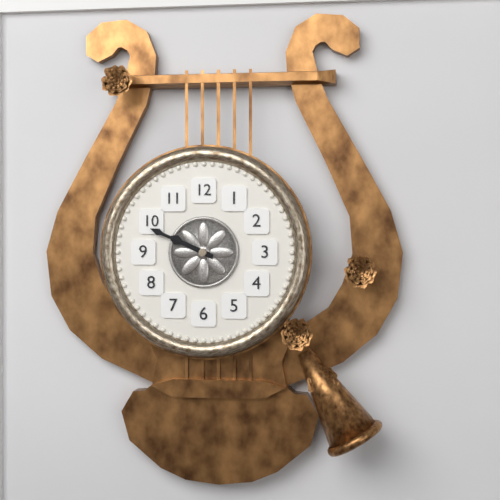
h=9 m=49
